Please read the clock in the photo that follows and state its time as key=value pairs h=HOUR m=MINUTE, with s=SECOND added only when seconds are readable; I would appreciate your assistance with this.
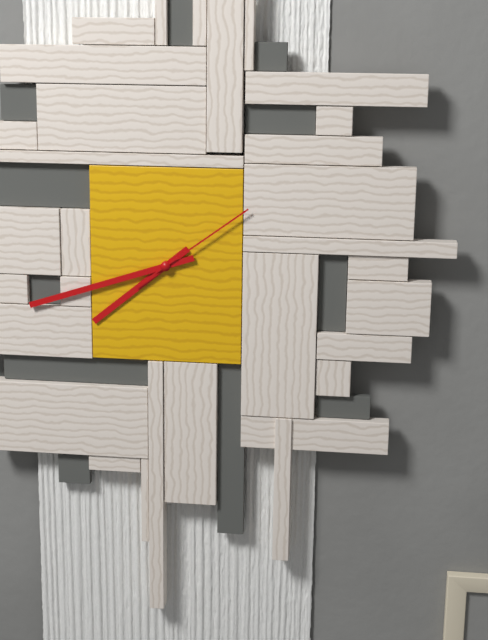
h=7 m=42 s=9
